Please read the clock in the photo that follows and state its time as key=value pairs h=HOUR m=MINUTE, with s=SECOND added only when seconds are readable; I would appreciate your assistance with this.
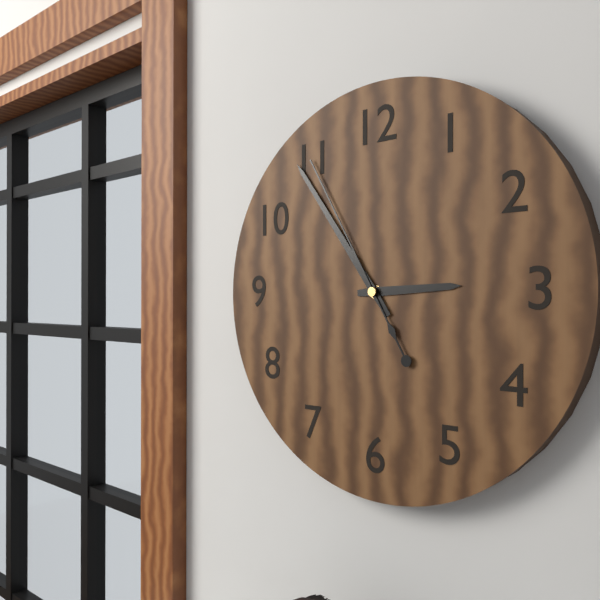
h=2 m=54 s=55
